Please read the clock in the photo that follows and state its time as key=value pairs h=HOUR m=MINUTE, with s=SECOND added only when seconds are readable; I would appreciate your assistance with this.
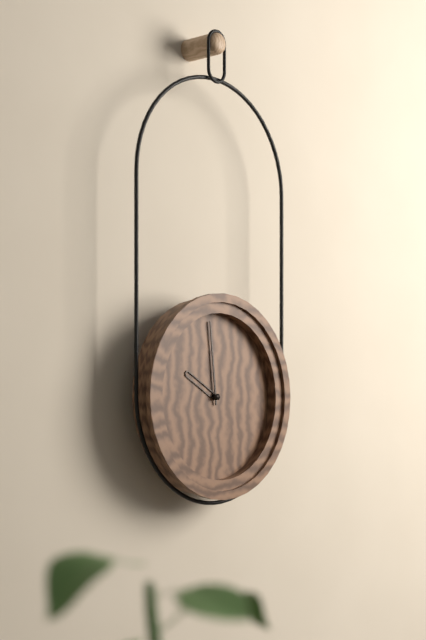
h=9 m=59
